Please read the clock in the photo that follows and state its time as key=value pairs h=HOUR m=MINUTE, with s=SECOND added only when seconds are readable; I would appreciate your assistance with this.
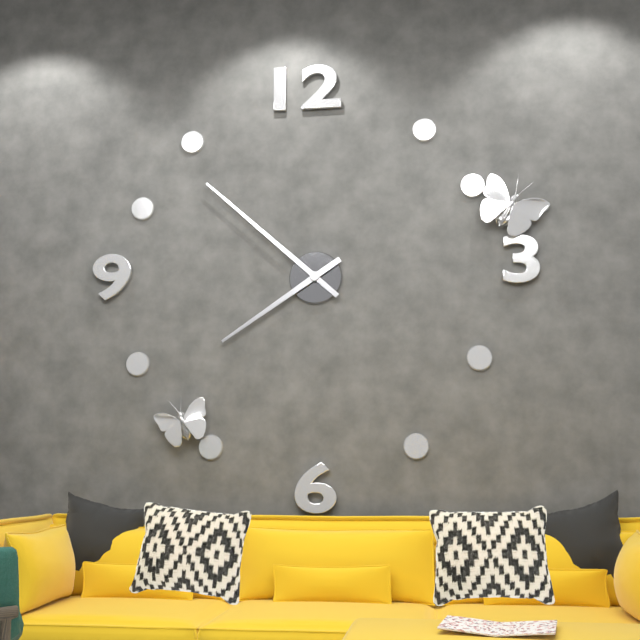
h=7 m=52
